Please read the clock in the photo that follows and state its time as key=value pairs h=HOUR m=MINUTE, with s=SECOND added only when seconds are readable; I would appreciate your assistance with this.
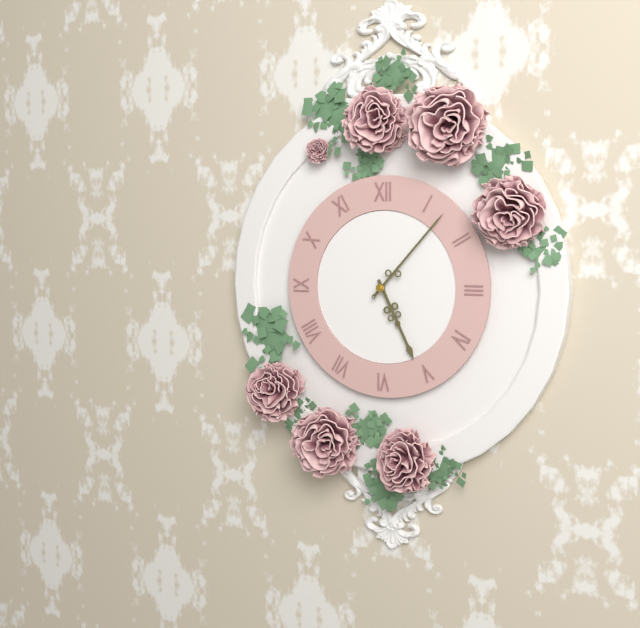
h=5 m=7
